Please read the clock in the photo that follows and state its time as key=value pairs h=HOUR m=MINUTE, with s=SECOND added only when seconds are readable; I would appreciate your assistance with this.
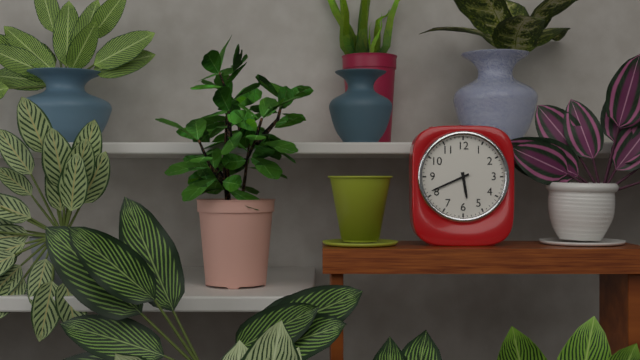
h=5 m=41
